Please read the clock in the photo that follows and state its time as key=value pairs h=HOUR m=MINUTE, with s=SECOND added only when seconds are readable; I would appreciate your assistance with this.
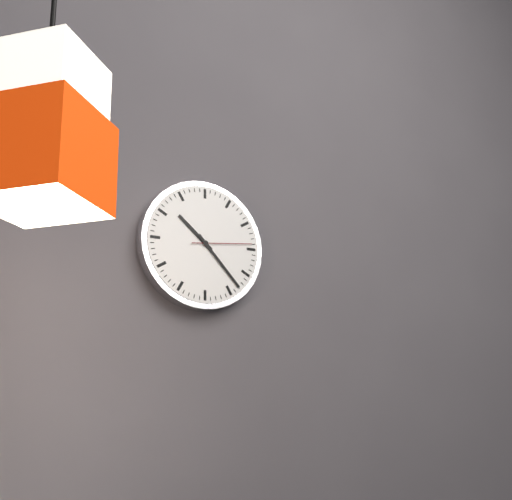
h=10 m=23 s=14
